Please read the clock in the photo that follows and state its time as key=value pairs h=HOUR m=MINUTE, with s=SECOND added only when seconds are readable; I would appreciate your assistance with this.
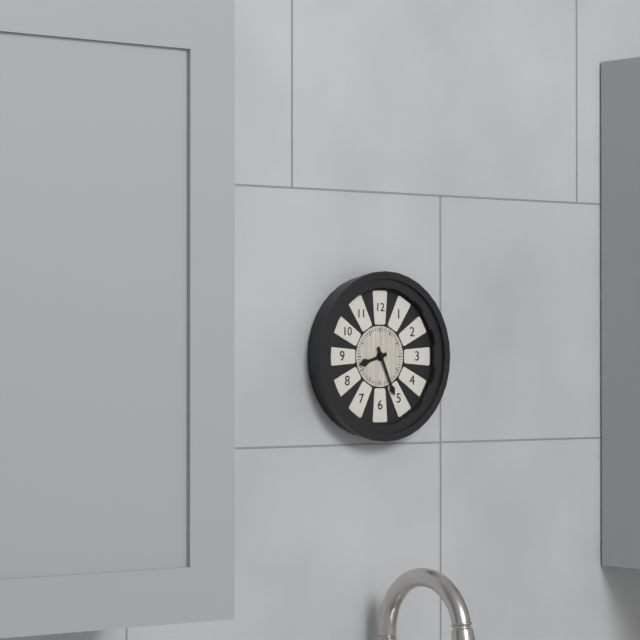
h=8 m=26
